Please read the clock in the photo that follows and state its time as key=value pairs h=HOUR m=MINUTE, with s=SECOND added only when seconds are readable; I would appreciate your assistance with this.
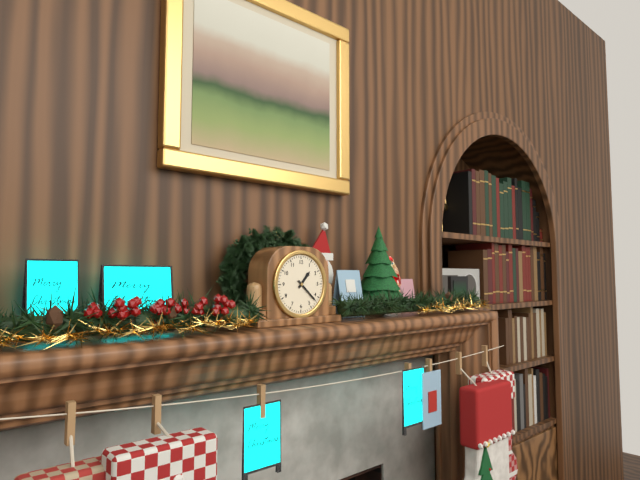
h=1 m=22
